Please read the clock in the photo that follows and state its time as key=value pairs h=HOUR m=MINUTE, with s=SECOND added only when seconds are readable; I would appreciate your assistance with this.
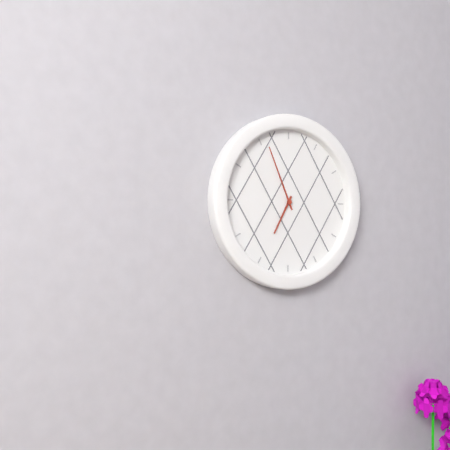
h=6 m=56
